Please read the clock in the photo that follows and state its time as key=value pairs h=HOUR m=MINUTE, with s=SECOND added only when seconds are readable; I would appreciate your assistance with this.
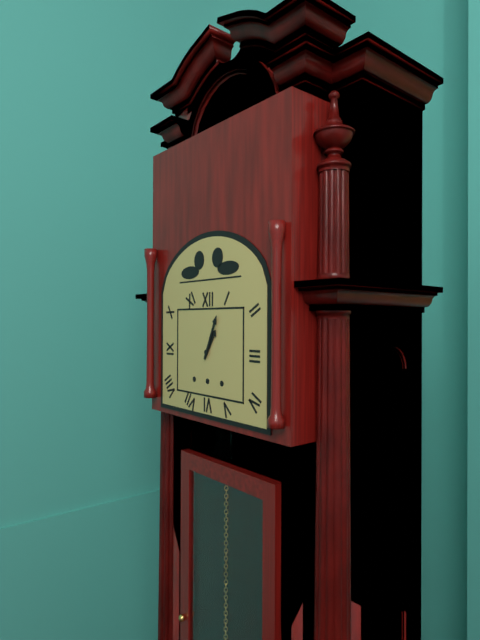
h=1 m=4
